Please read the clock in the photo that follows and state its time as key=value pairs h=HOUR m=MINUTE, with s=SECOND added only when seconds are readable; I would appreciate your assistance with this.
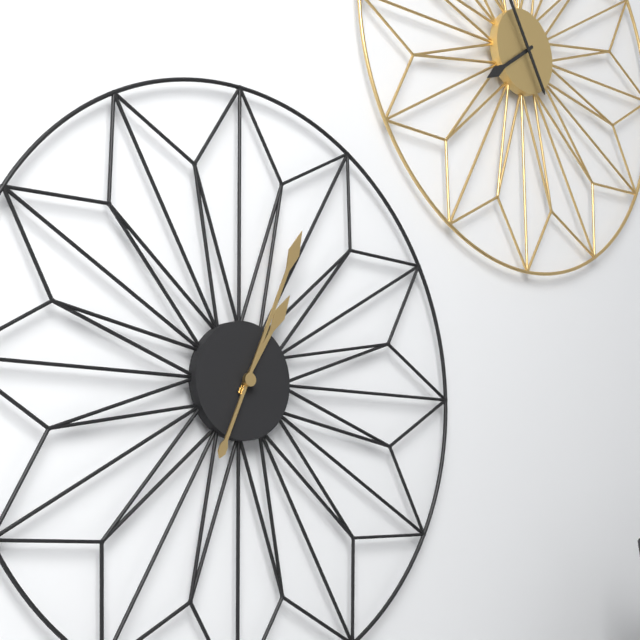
h=1 m=4
